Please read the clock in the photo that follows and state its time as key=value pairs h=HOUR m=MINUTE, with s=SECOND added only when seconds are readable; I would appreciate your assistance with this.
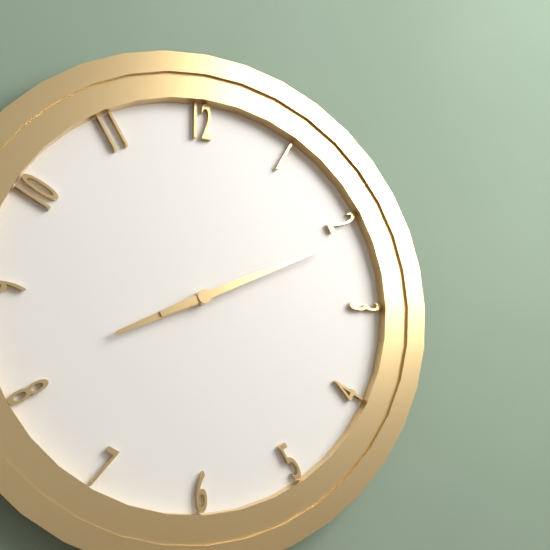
h=8 m=11
